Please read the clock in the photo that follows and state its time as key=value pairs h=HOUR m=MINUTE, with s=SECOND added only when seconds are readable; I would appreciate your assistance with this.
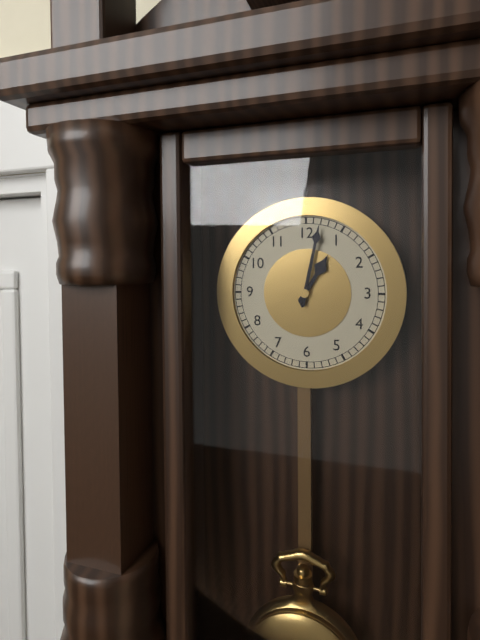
h=1 m=2
